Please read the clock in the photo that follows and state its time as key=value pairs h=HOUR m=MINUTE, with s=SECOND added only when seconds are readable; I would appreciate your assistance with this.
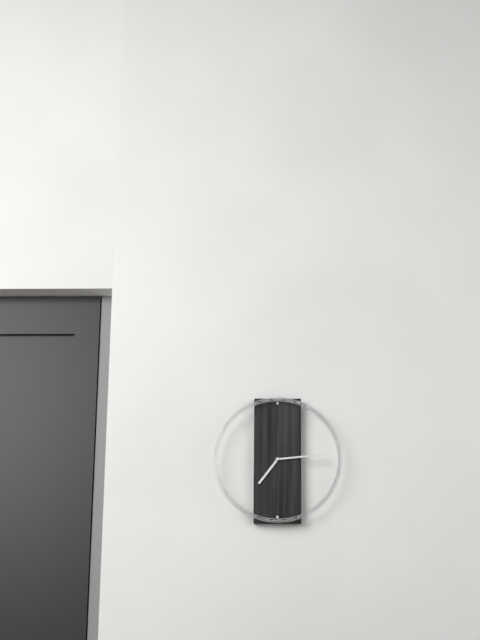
h=7 m=14
